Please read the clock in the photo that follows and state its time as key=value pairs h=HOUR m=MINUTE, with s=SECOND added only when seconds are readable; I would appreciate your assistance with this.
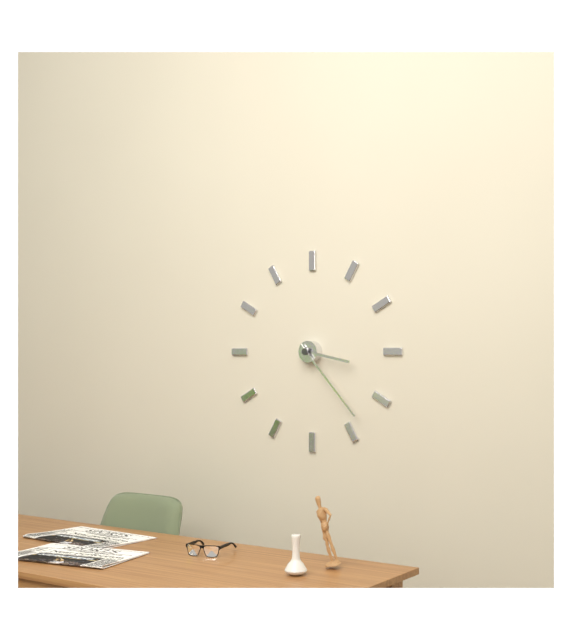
h=3 m=23
